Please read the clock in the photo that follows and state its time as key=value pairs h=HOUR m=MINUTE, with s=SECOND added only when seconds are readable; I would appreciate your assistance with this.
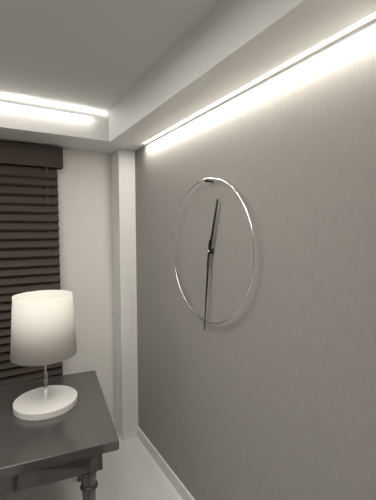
h=12 m=31
